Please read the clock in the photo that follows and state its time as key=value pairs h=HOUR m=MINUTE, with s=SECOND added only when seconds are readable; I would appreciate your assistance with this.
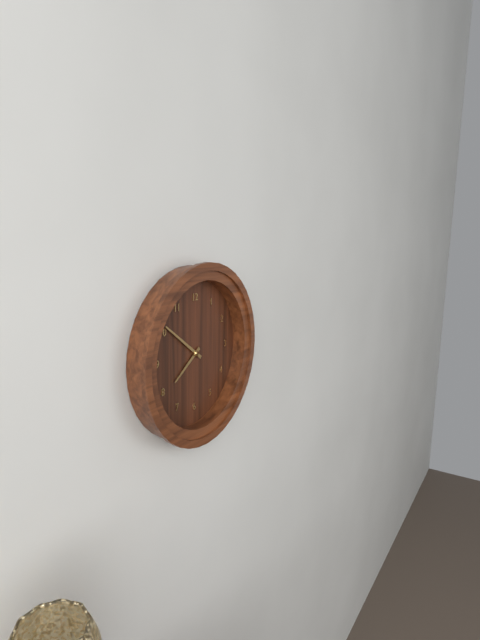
h=7 m=51
